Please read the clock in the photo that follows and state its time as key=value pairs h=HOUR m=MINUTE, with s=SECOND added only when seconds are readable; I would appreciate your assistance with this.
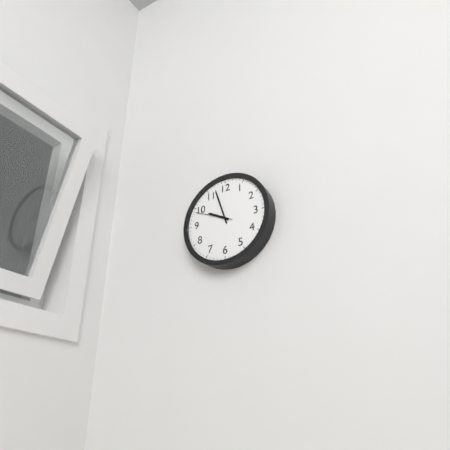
h=9 m=57
